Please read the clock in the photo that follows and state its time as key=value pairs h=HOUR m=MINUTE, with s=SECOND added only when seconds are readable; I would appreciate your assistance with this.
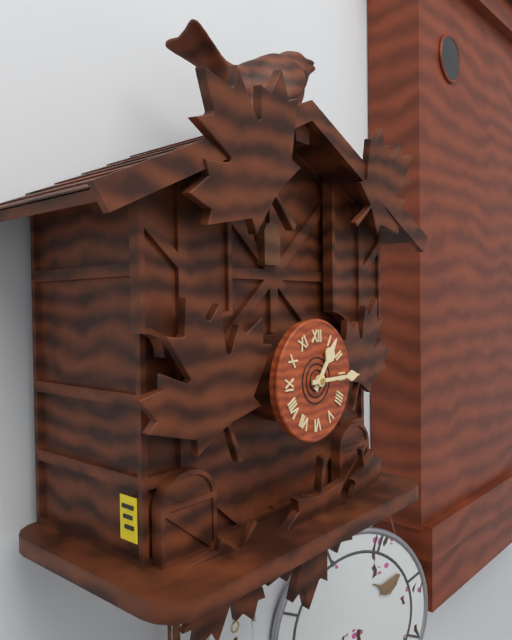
h=1 m=15
